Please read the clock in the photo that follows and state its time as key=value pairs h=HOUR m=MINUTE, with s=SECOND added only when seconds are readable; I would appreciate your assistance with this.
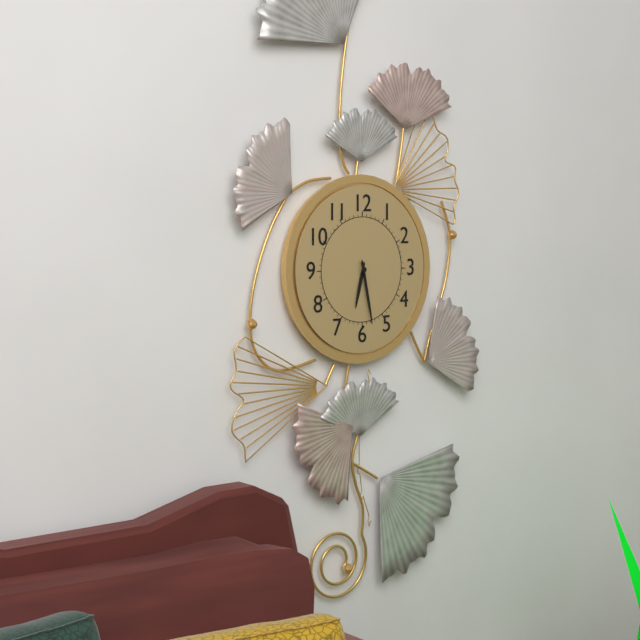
h=6 m=28
